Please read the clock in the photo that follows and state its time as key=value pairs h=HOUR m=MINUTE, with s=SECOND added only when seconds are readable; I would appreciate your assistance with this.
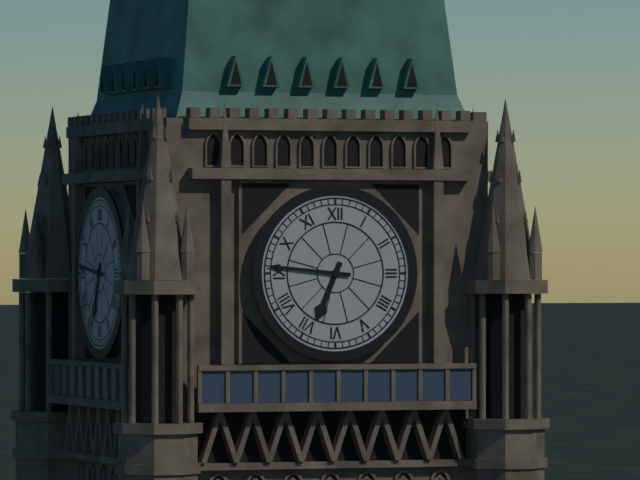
h=6 m=46
